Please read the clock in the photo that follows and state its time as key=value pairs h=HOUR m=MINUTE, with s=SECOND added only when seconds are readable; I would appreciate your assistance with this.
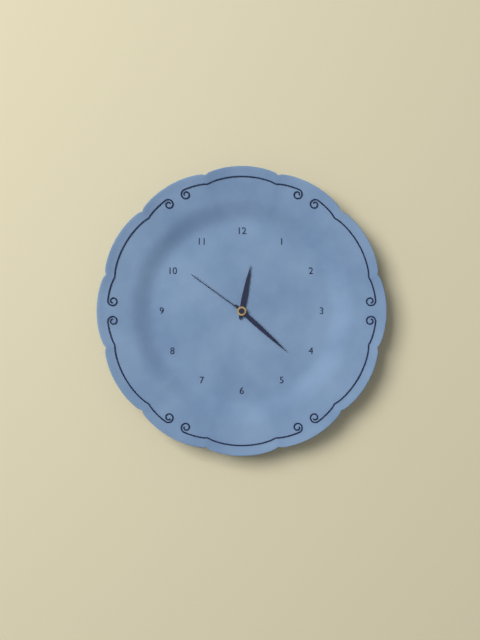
h=12 m=22 s=51
